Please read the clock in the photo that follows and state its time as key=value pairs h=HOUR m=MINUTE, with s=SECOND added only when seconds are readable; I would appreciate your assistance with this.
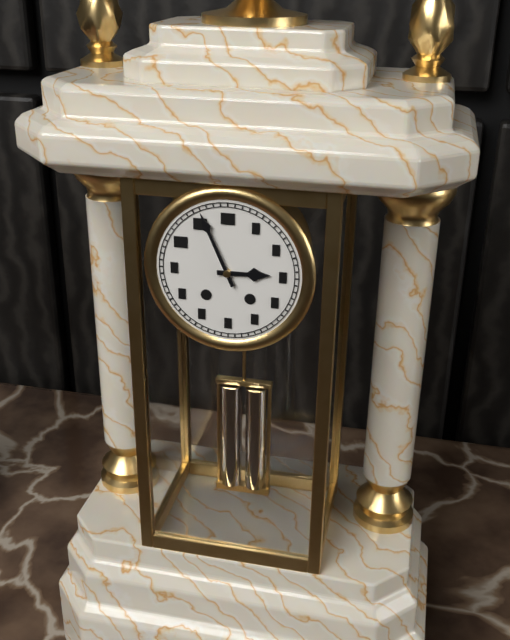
h=2 m=56
